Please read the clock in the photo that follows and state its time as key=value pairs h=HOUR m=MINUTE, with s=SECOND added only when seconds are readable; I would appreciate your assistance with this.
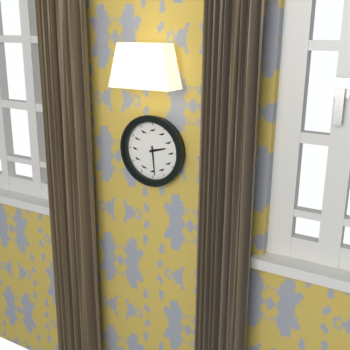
h=2 m=29
